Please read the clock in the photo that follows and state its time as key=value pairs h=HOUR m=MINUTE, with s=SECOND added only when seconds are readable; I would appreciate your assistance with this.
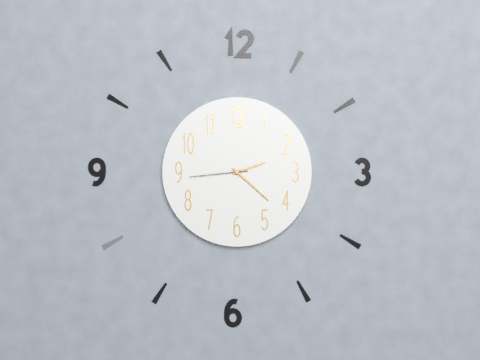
h=2 m=22 s=44
